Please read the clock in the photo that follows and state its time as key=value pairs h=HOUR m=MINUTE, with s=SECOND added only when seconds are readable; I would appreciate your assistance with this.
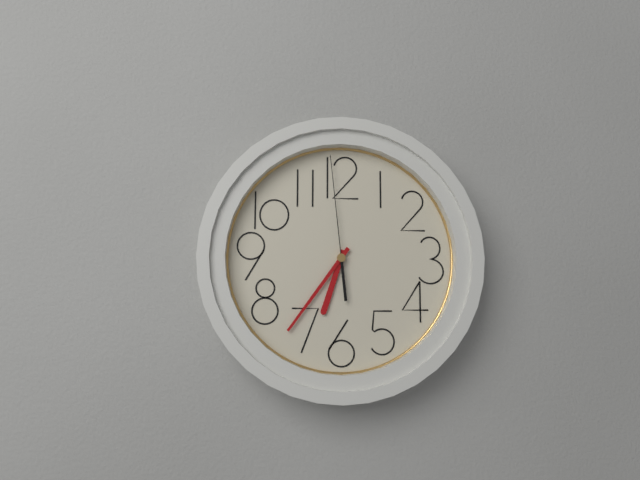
h=6 m=36 s=59
